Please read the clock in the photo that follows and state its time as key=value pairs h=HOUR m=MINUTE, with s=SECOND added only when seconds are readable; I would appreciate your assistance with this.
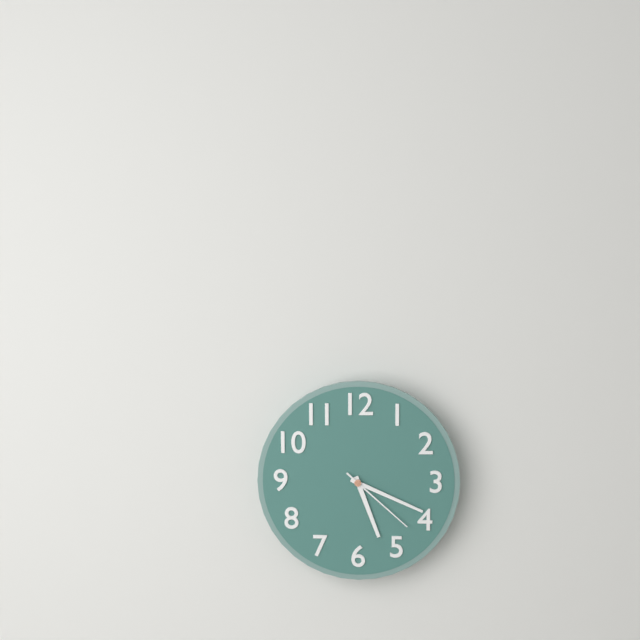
h=5 m=19 s=22
